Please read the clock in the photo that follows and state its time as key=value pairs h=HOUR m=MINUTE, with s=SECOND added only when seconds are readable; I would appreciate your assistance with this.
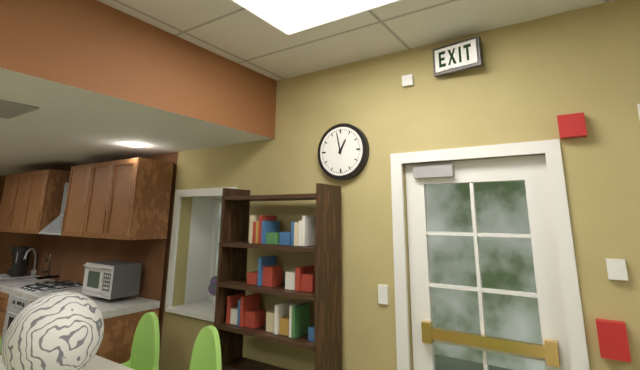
h=12 m=58
